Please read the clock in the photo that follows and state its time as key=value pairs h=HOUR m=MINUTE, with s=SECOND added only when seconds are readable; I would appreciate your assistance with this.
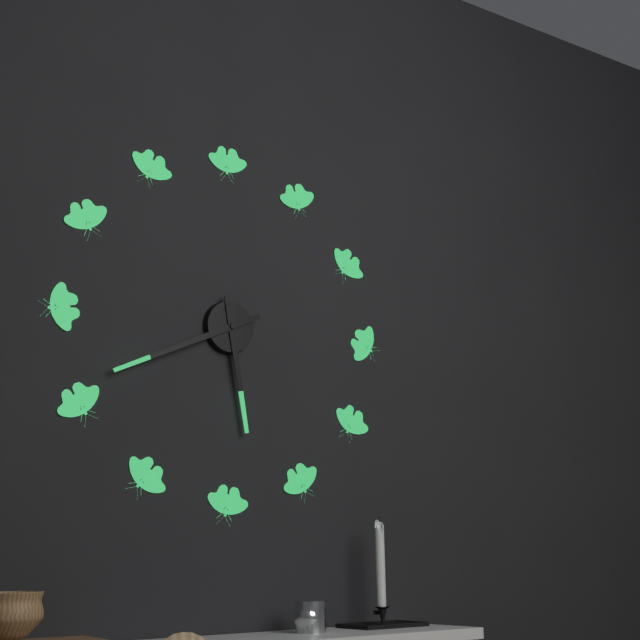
h=5 m=41
